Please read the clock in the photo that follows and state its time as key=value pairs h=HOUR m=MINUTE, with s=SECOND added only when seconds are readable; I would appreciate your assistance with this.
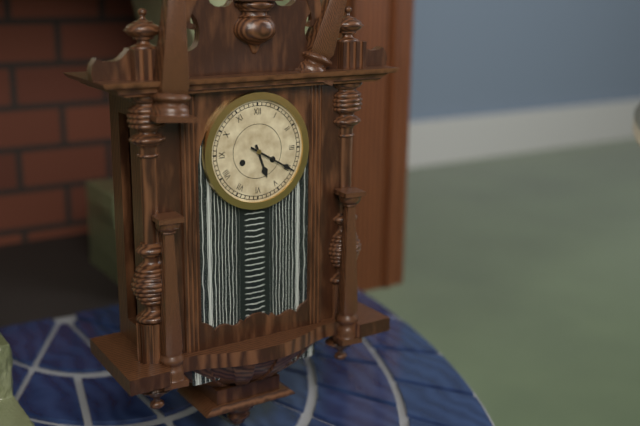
h=5 m=20
